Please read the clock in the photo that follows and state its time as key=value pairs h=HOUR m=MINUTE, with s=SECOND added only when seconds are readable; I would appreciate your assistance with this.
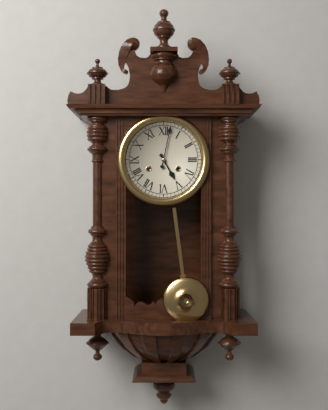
h=5 m=2
